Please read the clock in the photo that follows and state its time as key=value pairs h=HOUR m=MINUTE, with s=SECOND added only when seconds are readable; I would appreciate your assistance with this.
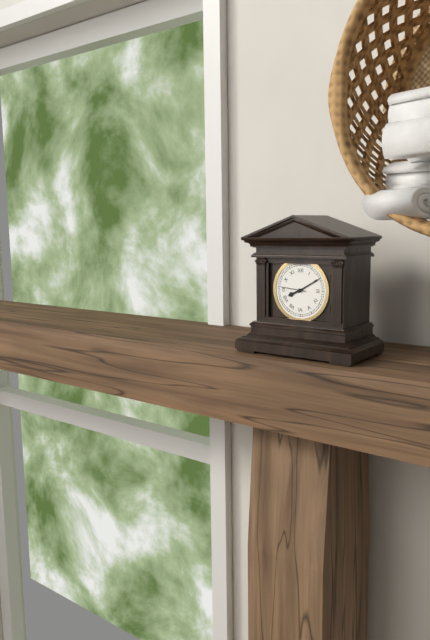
h=8 m=10
